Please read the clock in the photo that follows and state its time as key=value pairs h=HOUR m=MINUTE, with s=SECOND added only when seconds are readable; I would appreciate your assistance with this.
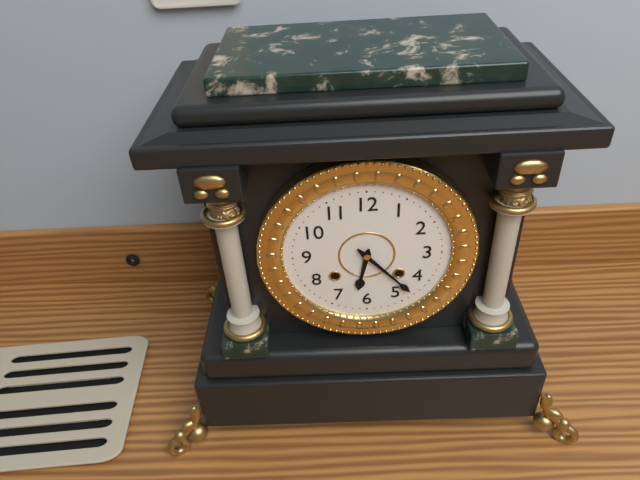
h=6 m=23
